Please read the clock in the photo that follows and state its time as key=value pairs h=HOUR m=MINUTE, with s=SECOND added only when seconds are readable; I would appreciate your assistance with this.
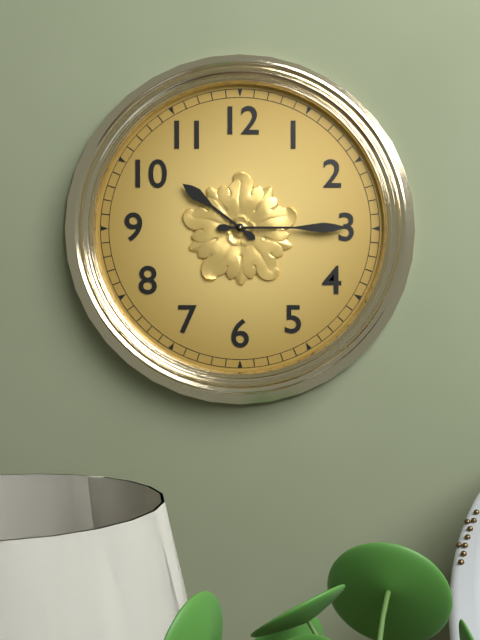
h=10 m=15
